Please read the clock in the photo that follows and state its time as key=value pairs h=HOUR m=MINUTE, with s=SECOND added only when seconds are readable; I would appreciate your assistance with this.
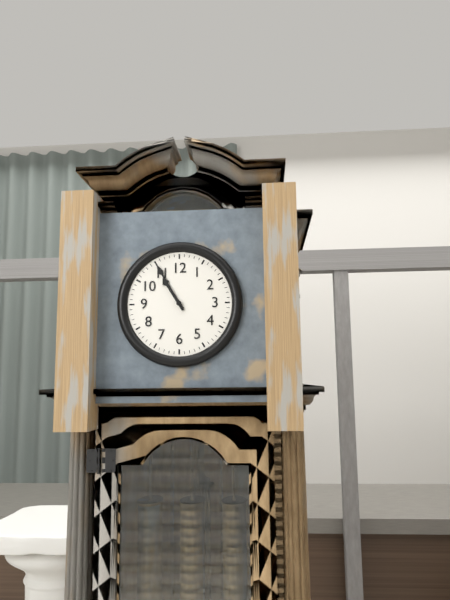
h=10 m=55
